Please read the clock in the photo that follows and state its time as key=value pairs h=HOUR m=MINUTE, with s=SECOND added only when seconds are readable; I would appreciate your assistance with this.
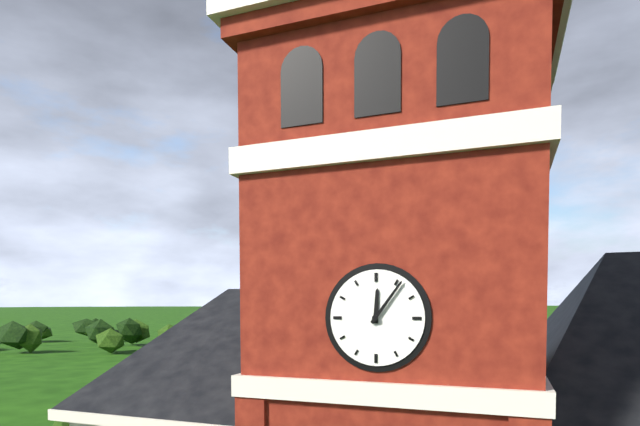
h=12 m=6
